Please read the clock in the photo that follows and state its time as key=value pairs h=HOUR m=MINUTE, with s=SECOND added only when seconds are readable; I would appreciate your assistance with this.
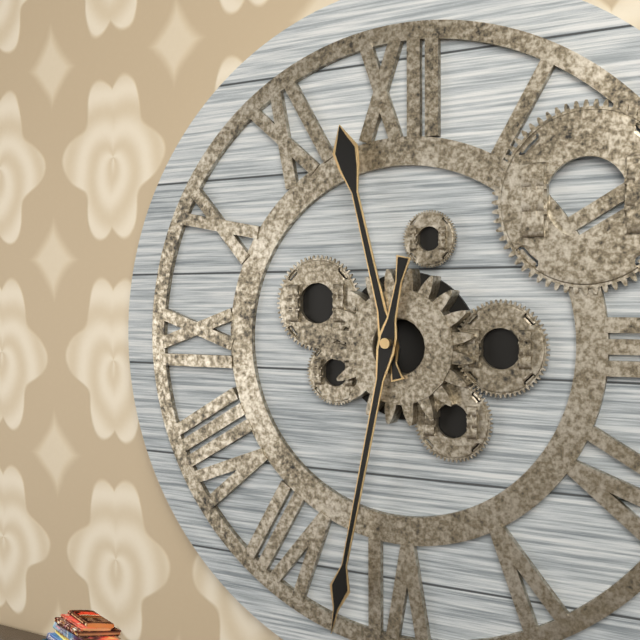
h=11 m=32
